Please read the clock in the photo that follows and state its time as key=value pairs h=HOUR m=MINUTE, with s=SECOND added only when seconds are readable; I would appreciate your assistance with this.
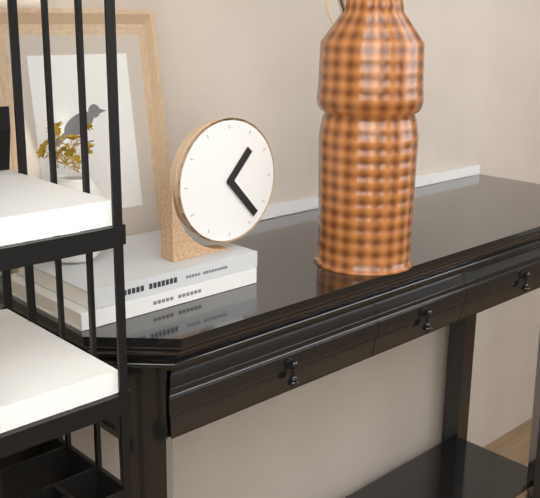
h=1 m=23
